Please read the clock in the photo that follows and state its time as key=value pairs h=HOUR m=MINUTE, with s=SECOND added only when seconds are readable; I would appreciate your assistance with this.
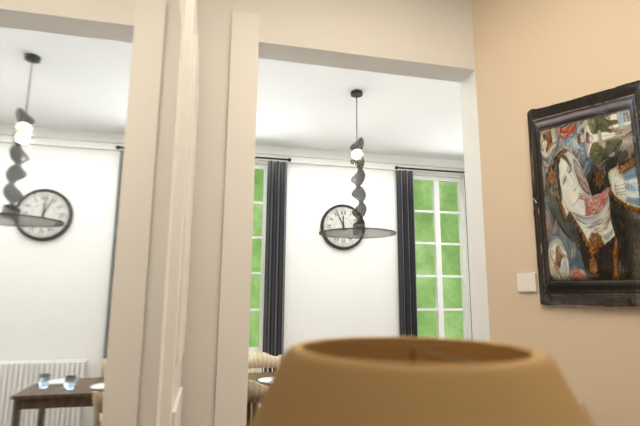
h=11 m=56
